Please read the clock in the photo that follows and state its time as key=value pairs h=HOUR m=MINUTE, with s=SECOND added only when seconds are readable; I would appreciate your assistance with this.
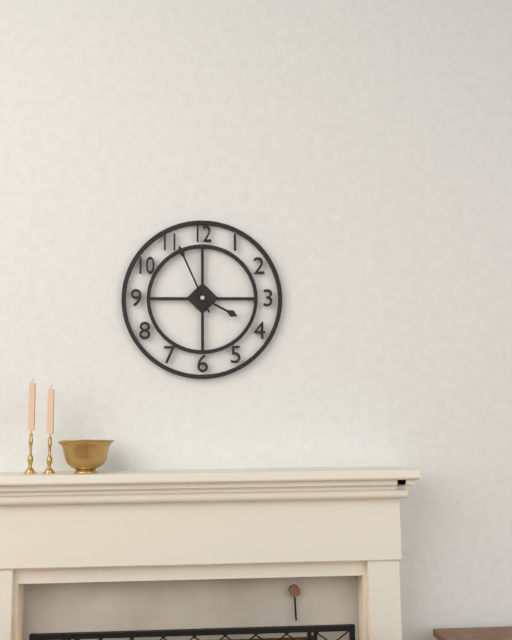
h=3 m=56
